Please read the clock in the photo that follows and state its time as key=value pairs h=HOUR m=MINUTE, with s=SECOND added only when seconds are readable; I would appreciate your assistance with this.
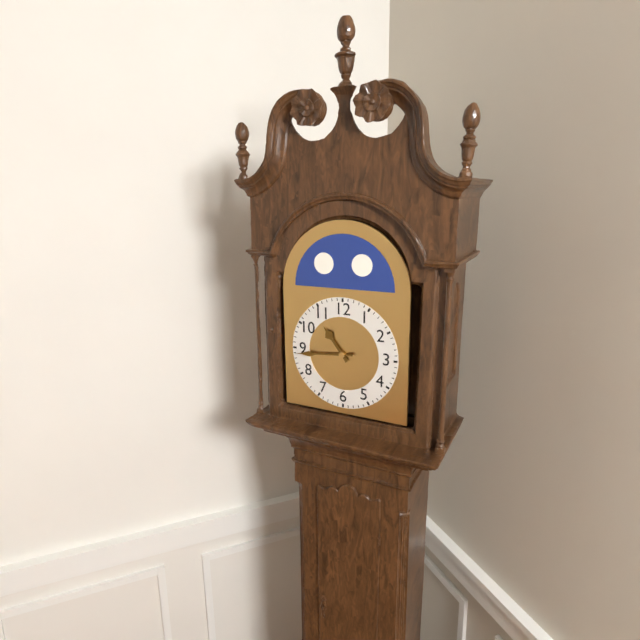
h=10 m=44
